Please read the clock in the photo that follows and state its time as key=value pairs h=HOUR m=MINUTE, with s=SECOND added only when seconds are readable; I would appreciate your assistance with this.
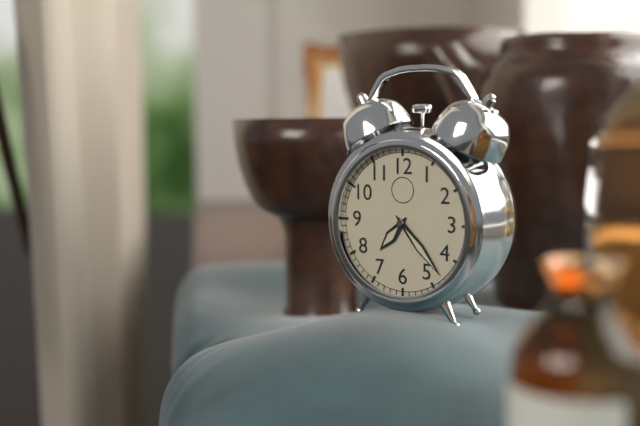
h=7 m=23
